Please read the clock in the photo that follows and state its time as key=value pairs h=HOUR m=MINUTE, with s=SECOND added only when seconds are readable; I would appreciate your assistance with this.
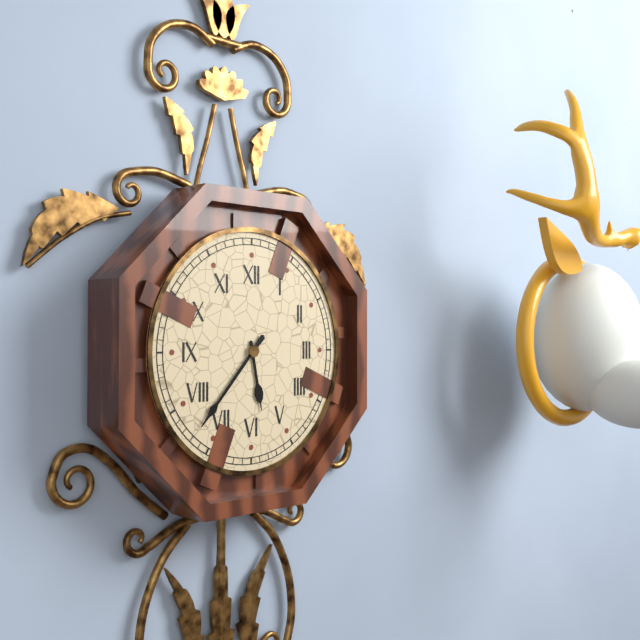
h=5 m=37
